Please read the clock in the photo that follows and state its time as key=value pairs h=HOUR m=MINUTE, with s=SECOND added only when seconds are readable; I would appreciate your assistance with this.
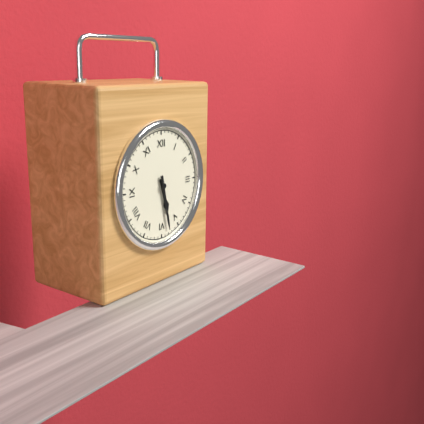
h=5 m=28
